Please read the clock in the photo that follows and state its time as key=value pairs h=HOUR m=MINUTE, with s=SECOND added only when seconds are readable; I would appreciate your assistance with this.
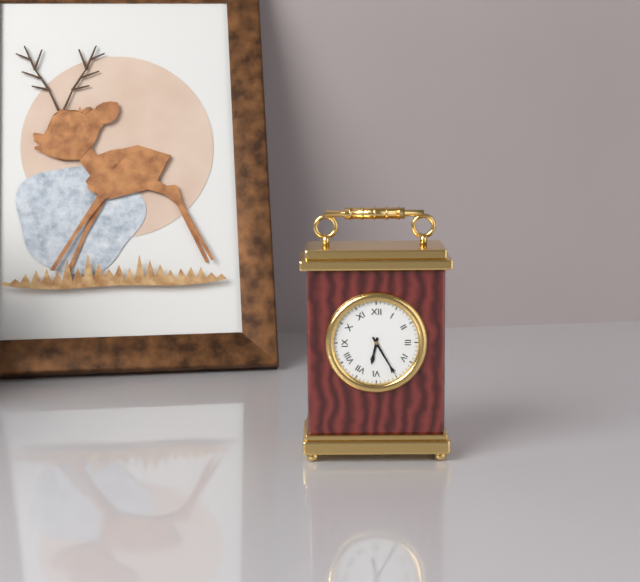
h=6 m=25
